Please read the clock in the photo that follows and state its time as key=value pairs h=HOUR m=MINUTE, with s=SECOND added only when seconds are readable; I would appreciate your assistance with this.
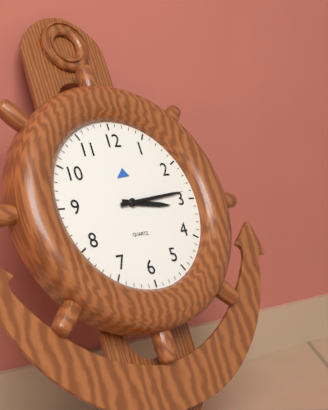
h=3 m=14
